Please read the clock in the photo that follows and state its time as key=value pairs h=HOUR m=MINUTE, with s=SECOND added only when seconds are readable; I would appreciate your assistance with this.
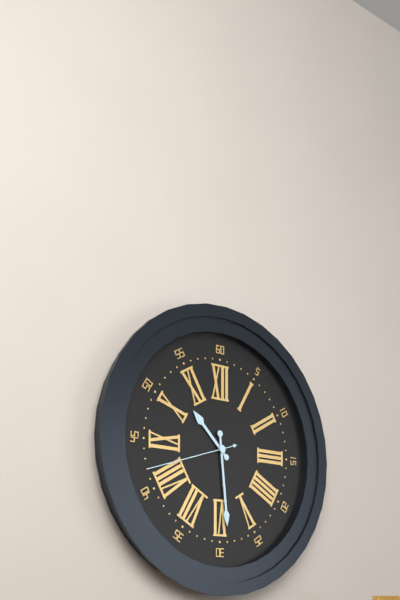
h=10 m=29 s=42
